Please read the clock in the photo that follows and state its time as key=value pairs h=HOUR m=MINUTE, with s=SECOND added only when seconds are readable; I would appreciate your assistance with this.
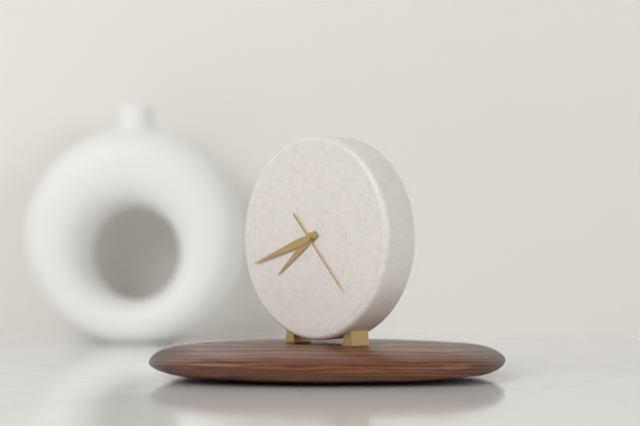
h=7 m=42 s=23
